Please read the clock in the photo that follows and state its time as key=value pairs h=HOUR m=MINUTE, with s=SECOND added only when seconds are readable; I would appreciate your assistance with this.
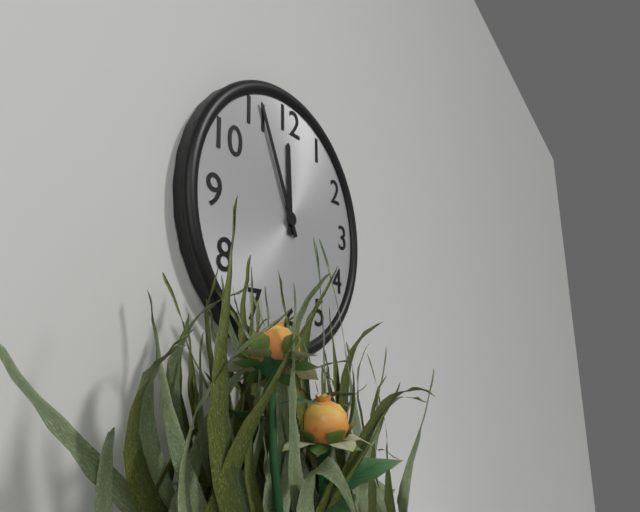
h=11 m=56
